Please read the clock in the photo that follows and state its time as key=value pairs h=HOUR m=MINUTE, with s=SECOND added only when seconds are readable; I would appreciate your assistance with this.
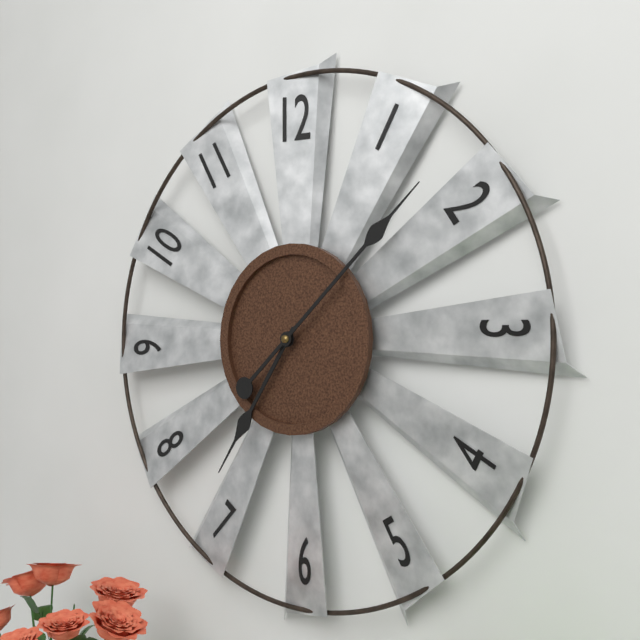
h=7 m=8
